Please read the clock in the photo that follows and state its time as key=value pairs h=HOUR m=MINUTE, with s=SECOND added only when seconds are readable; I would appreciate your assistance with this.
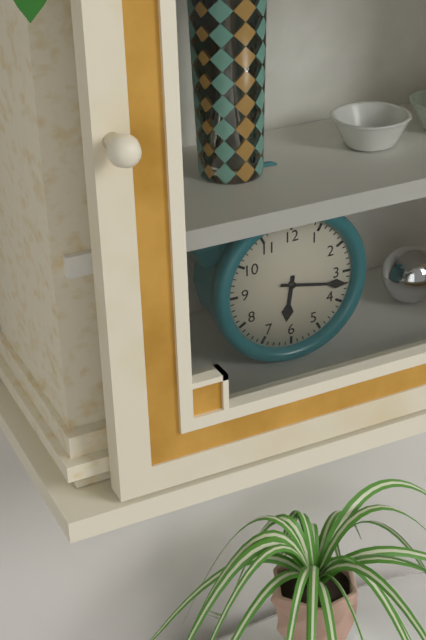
h=6 m=17
